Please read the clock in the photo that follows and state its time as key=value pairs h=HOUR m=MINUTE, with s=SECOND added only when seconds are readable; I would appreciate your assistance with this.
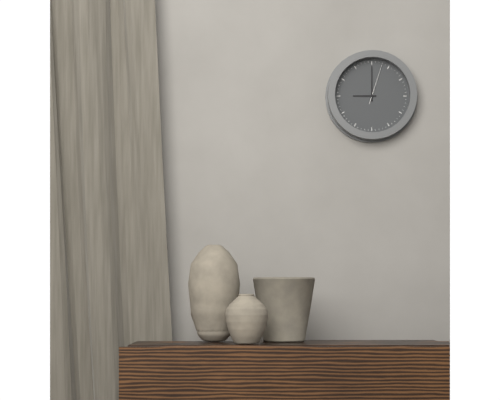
h=9 m=0
